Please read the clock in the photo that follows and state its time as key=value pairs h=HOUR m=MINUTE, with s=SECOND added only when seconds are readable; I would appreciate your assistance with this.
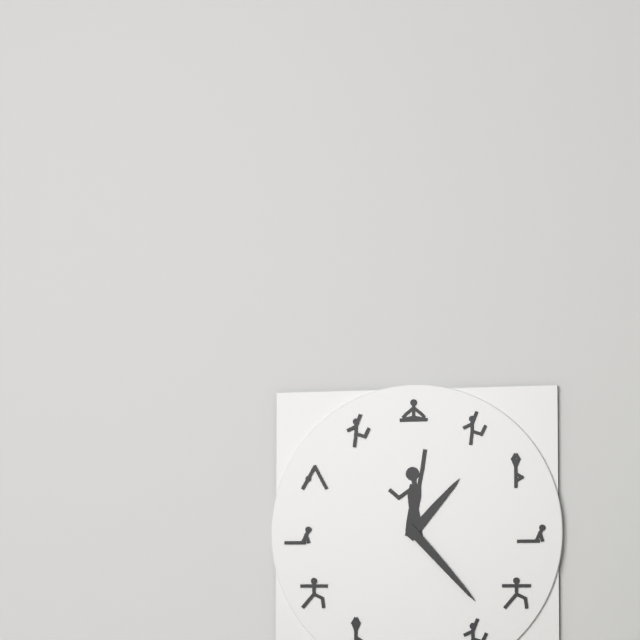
h=1 m=23
